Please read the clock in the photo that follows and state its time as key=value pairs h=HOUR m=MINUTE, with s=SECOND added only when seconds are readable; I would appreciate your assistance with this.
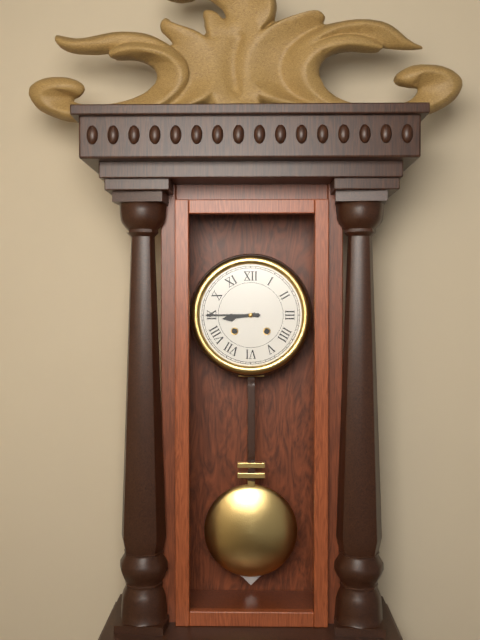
h=8 m=45
